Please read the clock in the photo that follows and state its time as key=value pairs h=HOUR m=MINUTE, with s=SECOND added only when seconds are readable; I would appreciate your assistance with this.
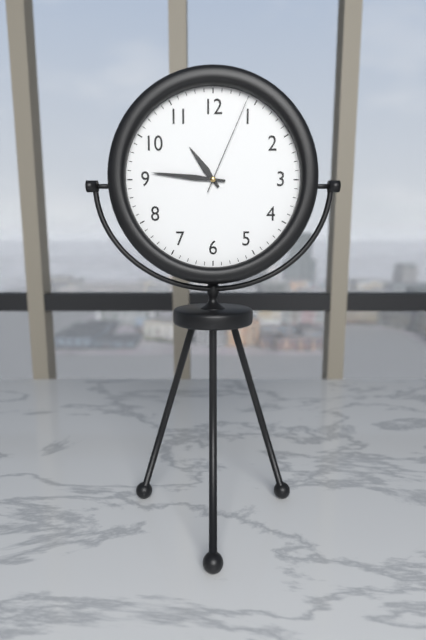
h=10 m=46 s=4
